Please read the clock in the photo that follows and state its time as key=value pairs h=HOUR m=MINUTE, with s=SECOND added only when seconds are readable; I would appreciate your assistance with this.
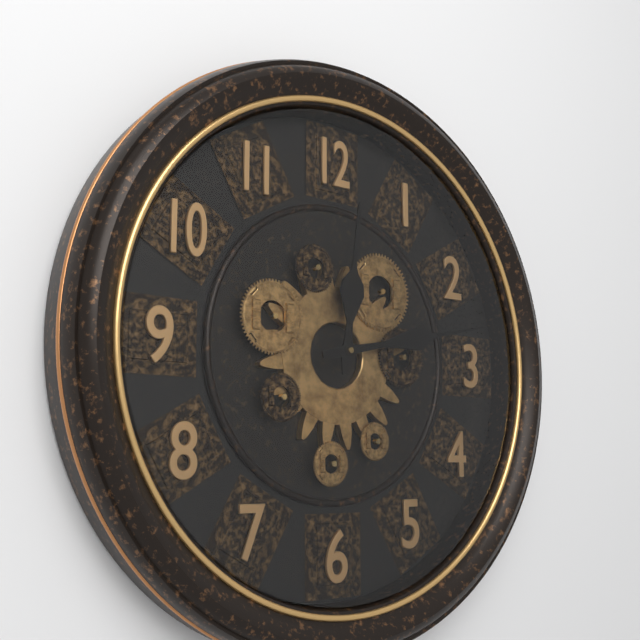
h=12 m=13
